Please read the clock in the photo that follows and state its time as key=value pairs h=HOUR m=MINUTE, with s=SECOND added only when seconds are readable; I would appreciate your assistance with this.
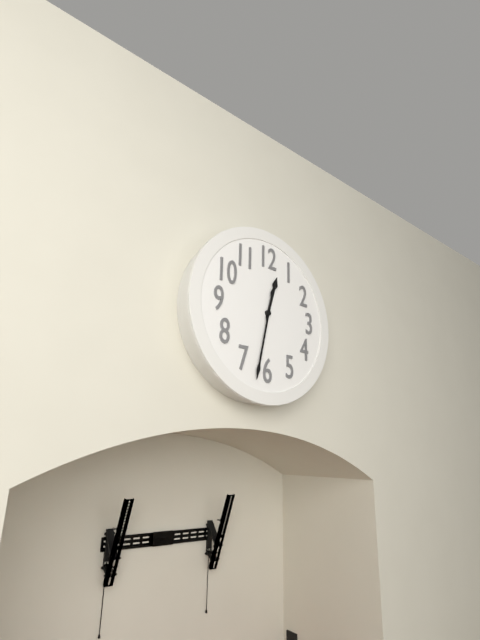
h=12 m=32
